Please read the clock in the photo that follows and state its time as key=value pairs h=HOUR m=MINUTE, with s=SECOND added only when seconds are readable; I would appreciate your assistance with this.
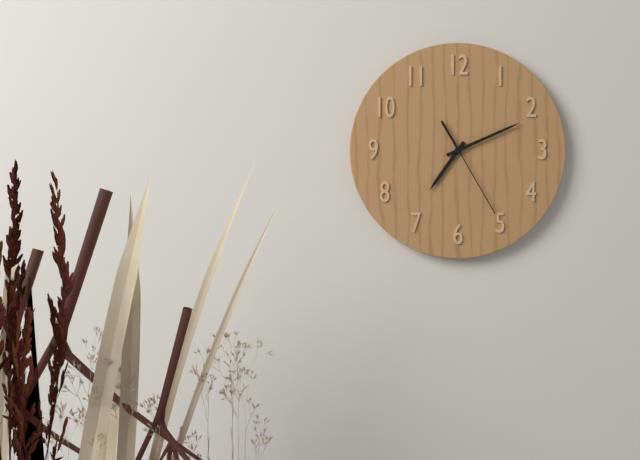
h=7 m=11 s=25
